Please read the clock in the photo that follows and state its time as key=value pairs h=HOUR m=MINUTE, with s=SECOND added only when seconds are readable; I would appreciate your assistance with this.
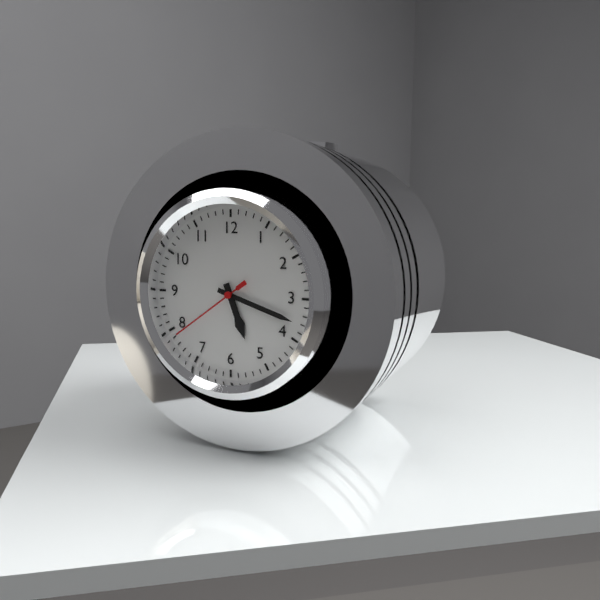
h=5 m=18 s=39
